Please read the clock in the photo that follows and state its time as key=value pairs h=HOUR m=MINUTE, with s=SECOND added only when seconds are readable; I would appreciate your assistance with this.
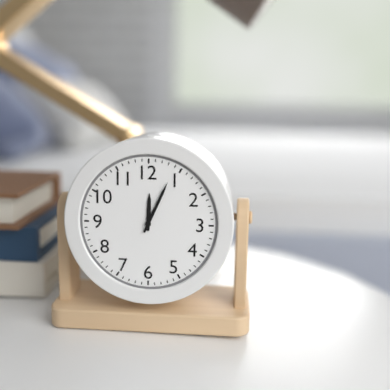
h=12 m=4
